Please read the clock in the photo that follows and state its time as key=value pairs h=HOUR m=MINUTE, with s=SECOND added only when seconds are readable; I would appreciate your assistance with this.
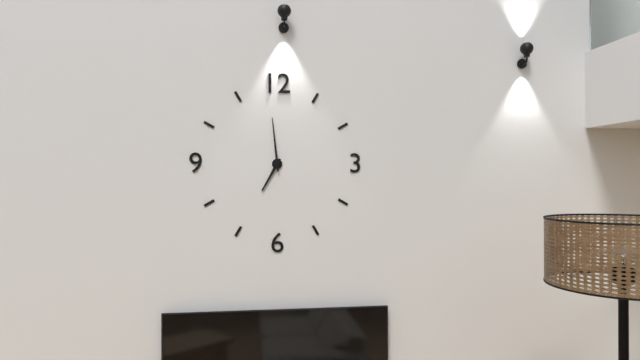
h=6 m=59
